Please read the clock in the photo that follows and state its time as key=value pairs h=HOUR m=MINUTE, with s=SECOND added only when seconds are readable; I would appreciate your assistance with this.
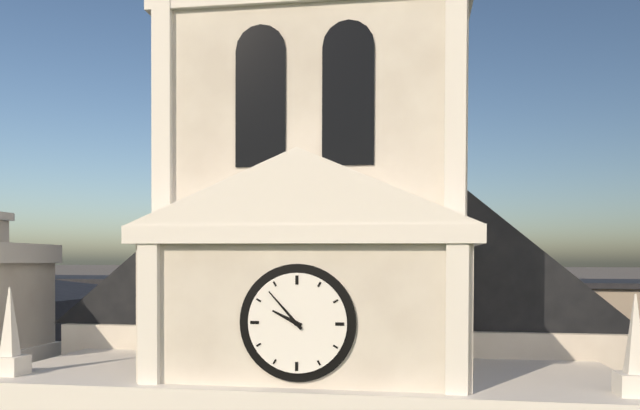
h=9 m=53
